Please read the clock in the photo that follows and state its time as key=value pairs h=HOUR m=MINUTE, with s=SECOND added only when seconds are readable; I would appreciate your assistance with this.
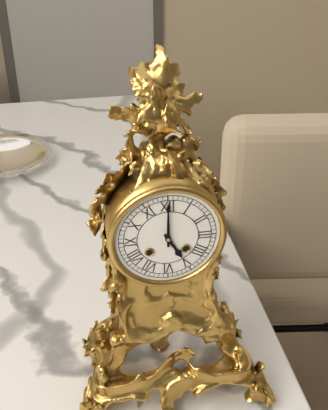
h=5 m=0
